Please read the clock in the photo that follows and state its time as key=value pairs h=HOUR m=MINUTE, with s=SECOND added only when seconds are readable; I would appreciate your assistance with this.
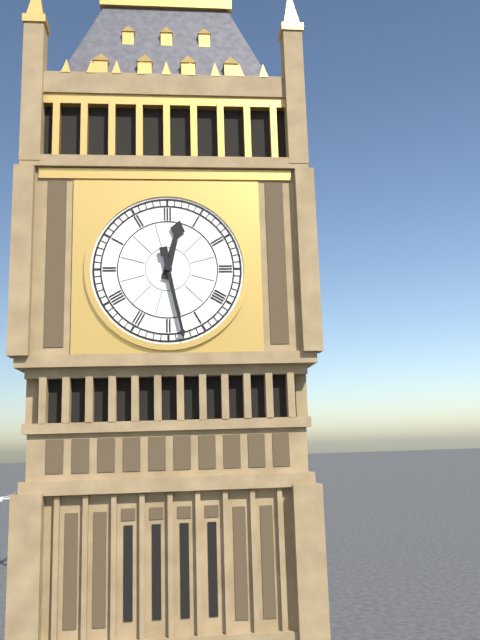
h=12 m=28
